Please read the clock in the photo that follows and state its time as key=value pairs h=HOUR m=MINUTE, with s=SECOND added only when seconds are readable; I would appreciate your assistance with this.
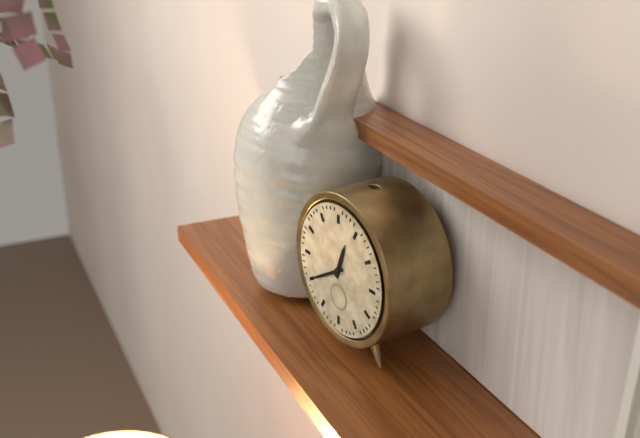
h=12 m=40
